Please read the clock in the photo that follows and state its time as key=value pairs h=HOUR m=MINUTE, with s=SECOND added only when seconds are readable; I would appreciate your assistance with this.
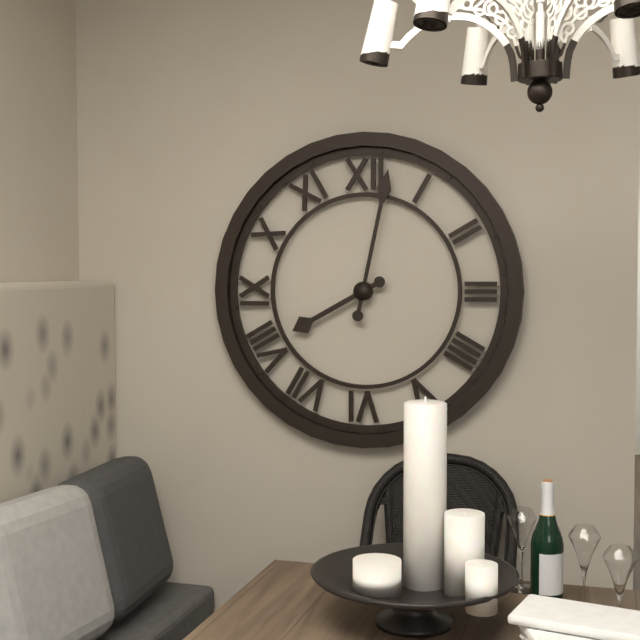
h=8 m=2
